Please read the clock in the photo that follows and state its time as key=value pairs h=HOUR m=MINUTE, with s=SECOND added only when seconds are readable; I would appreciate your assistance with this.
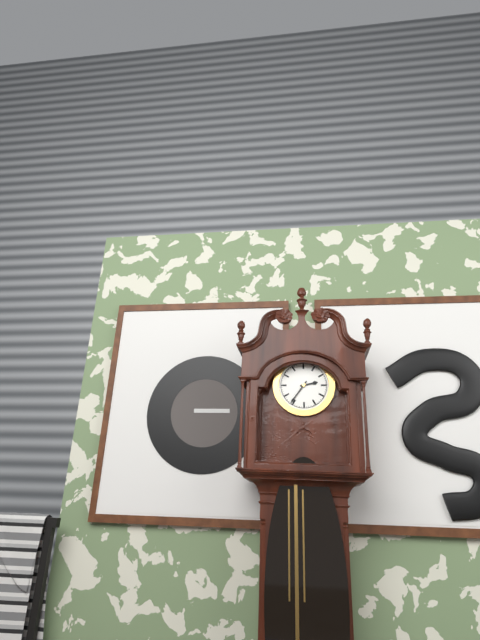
h=2 m=36
